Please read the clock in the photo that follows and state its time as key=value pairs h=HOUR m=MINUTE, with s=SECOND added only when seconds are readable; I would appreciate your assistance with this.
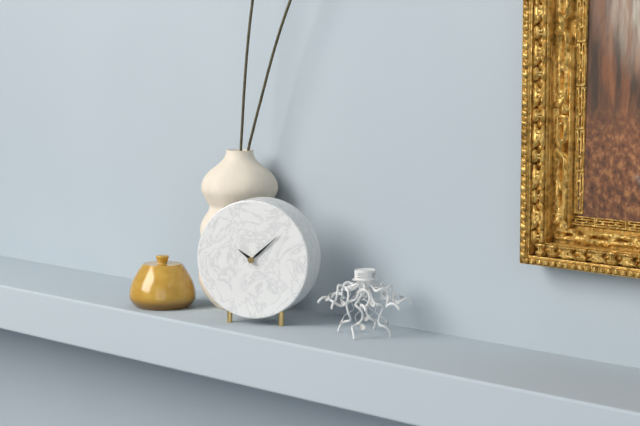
h=10 m=8
